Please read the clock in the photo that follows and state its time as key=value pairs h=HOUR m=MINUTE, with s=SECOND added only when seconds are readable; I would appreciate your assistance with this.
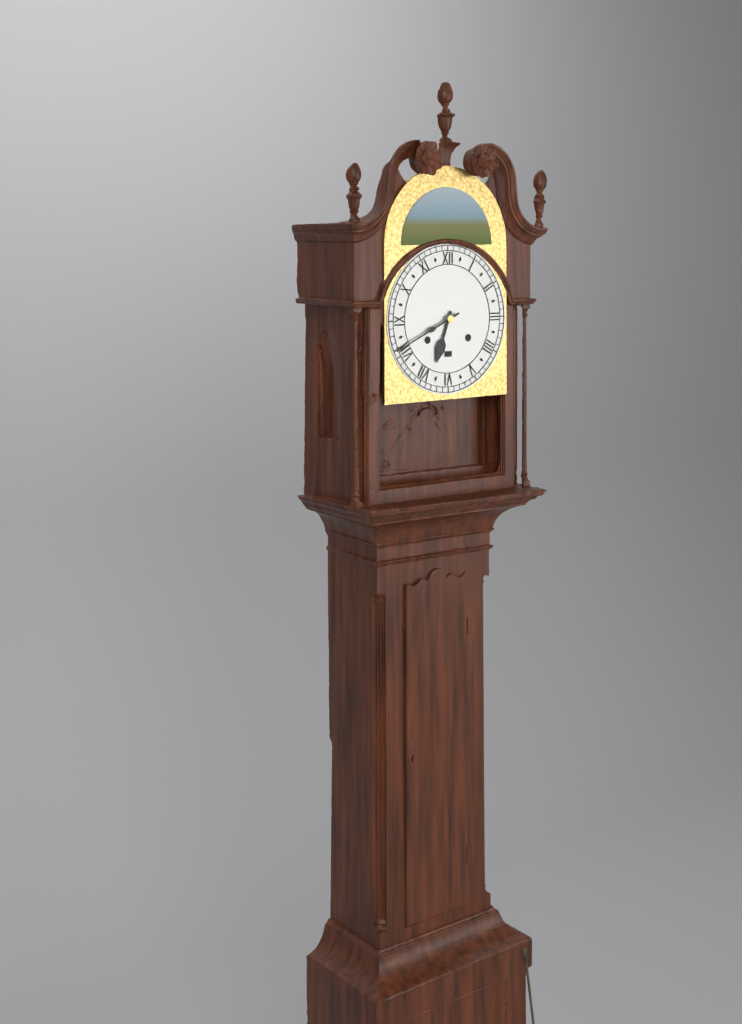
h=6 m=41
